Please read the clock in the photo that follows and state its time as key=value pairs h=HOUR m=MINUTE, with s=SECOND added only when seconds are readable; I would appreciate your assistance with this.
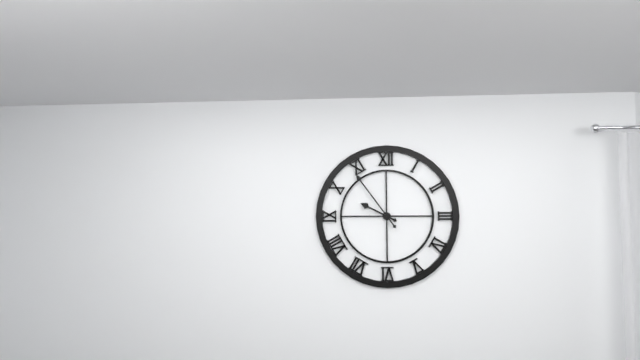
h=9 m=54
